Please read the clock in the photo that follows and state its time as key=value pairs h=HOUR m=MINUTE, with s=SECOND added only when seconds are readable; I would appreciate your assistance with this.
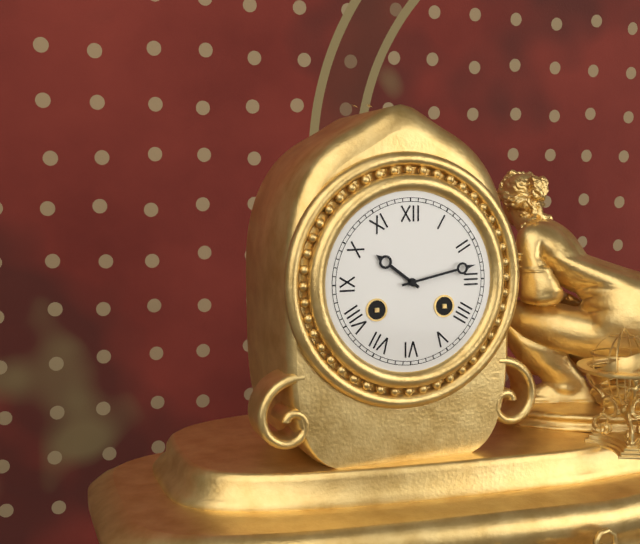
h=10 m=13
